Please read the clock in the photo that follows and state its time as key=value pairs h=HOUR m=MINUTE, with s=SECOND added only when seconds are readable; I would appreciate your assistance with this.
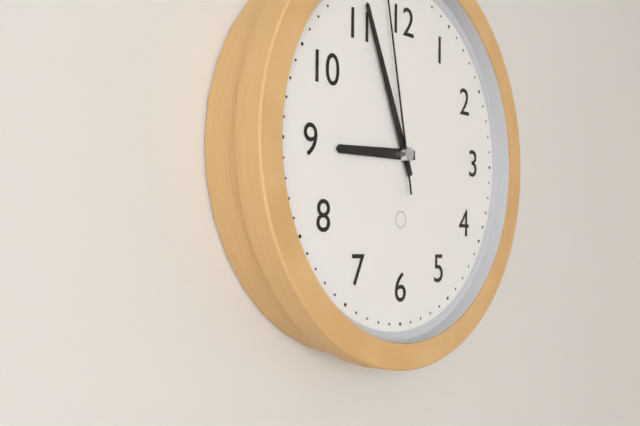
h=8 m=56
